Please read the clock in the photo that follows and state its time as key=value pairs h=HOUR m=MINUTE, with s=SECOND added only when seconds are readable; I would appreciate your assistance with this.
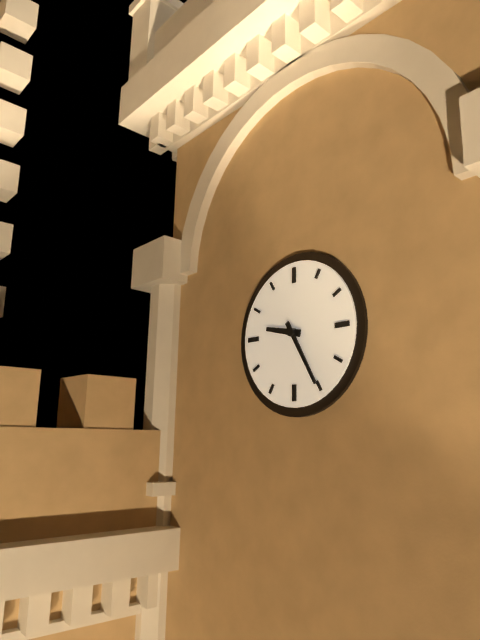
h=9 m=25
